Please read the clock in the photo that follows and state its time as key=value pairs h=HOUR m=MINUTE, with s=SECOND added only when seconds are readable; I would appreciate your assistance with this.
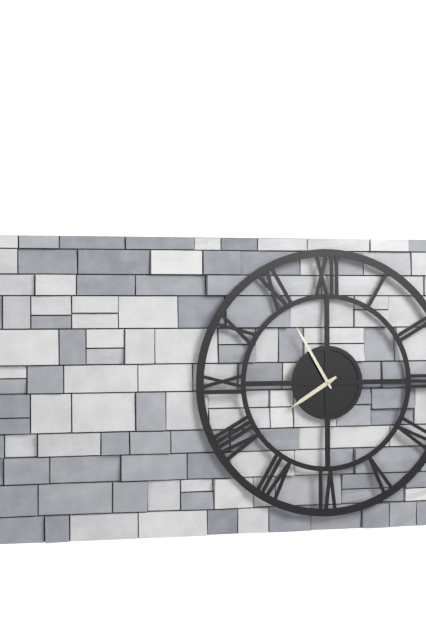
h=7 m=55
